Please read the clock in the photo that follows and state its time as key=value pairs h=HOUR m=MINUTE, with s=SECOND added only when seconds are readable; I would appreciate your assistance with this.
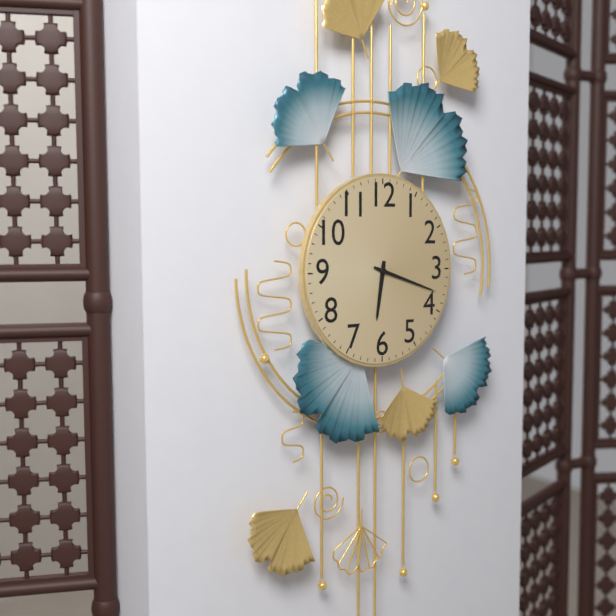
h=6 m=18
